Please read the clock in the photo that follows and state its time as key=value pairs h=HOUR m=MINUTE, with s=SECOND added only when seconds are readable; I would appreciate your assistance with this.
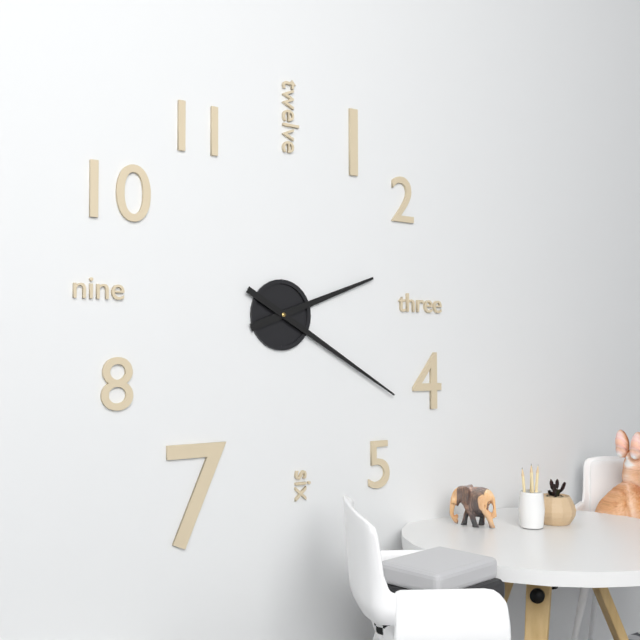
h=2 m=20
